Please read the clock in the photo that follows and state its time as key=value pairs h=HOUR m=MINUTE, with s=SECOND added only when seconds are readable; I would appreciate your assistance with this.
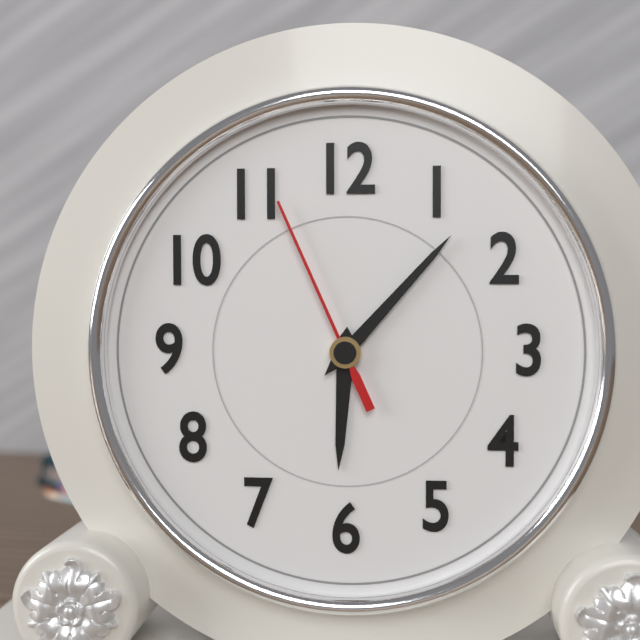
h=6 m=7 s=56
